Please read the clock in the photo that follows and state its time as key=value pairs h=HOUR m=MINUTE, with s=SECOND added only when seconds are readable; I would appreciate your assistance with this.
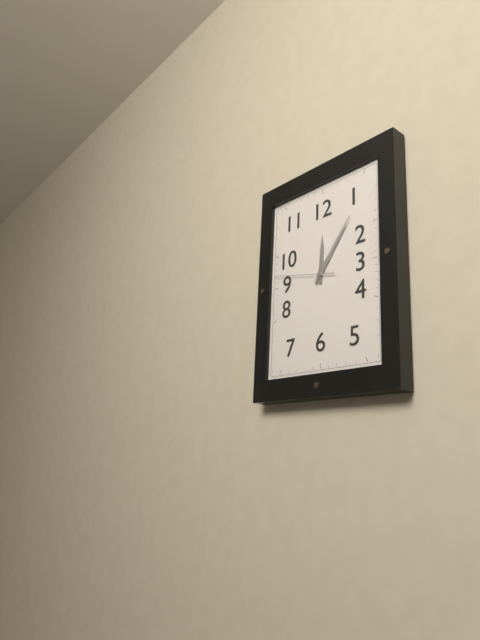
h=12 m=6 s=47
